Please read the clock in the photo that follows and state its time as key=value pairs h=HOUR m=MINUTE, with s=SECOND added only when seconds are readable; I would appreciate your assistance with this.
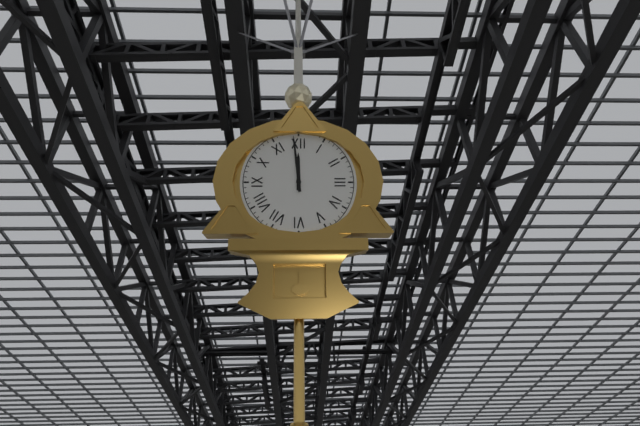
h=11 m=59
